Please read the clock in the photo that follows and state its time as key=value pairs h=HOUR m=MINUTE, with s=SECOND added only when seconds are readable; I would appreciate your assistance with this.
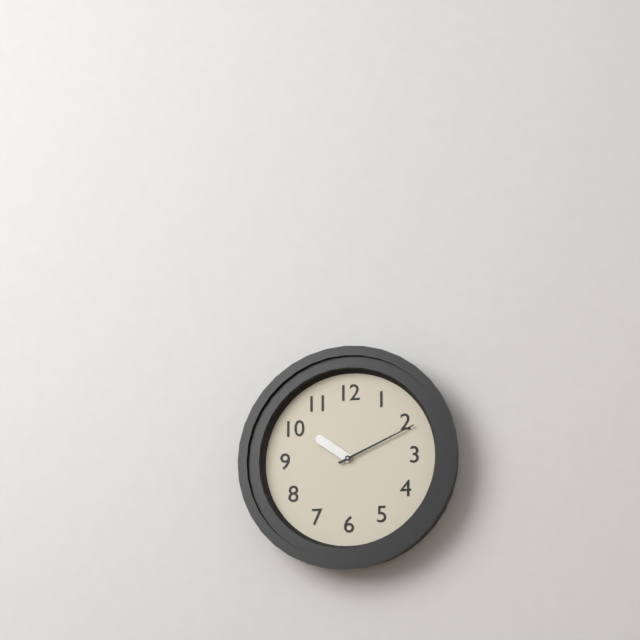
h=10 m=11
